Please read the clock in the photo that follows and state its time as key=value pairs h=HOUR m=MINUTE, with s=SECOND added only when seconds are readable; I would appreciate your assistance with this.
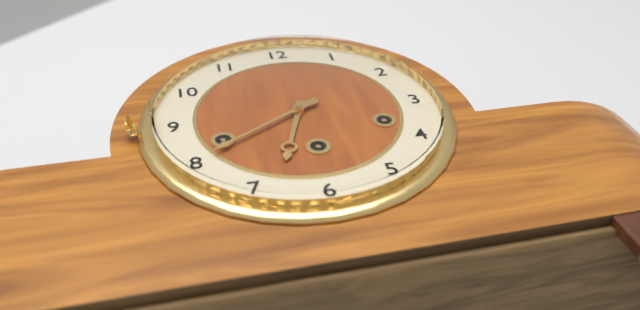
h=6 m=40
